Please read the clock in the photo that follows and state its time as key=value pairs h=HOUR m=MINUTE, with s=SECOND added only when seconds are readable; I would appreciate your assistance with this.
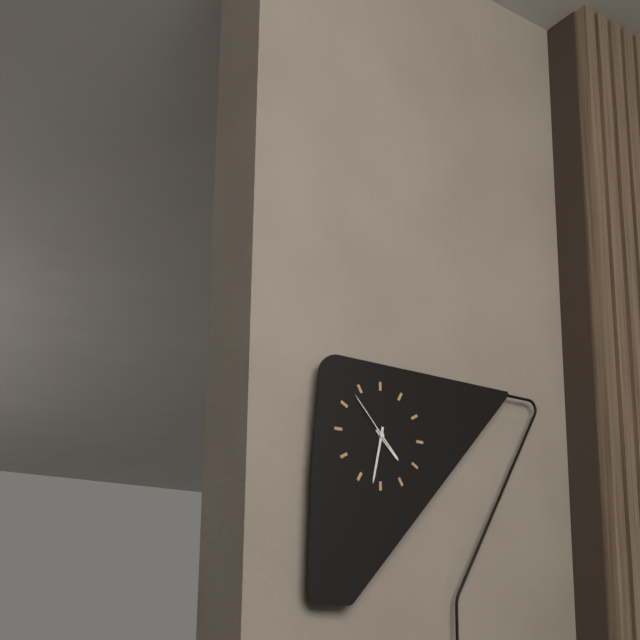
h=4 m=32 s=53
